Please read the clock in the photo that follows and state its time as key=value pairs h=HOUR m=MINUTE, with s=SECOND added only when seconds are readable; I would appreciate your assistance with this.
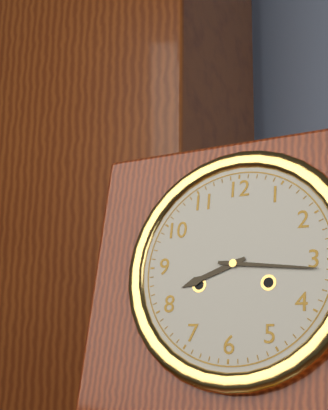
h=8 m=16
